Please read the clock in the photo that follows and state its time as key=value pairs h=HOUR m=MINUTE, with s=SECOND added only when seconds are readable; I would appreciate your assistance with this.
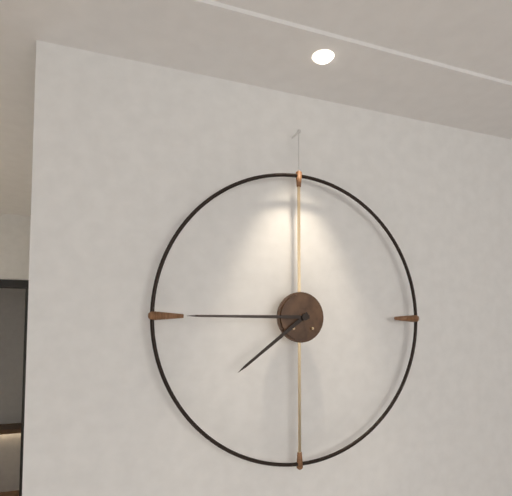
h=7 m=45
